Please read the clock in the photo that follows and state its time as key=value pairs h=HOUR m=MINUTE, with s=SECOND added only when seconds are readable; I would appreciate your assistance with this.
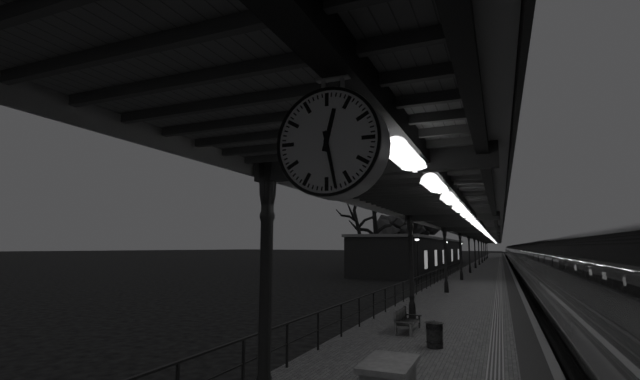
h=12 m=28
